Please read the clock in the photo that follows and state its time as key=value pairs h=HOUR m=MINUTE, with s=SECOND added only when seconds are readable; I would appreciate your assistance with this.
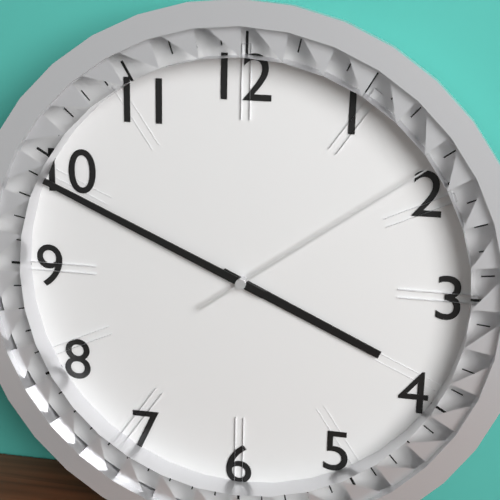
h=3 m=49 s=9
